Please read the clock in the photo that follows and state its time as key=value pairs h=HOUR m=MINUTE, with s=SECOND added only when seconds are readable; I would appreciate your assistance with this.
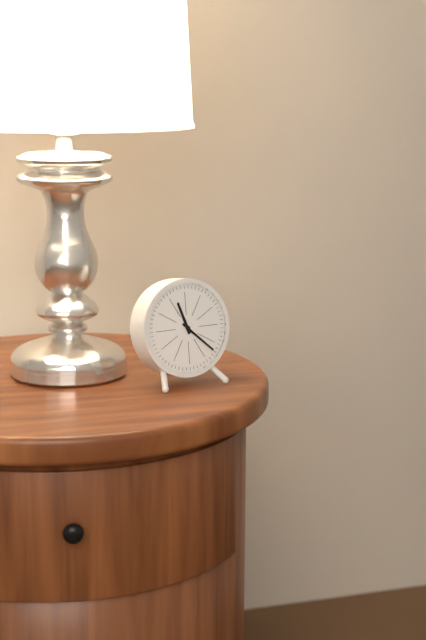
h=11 m=22
